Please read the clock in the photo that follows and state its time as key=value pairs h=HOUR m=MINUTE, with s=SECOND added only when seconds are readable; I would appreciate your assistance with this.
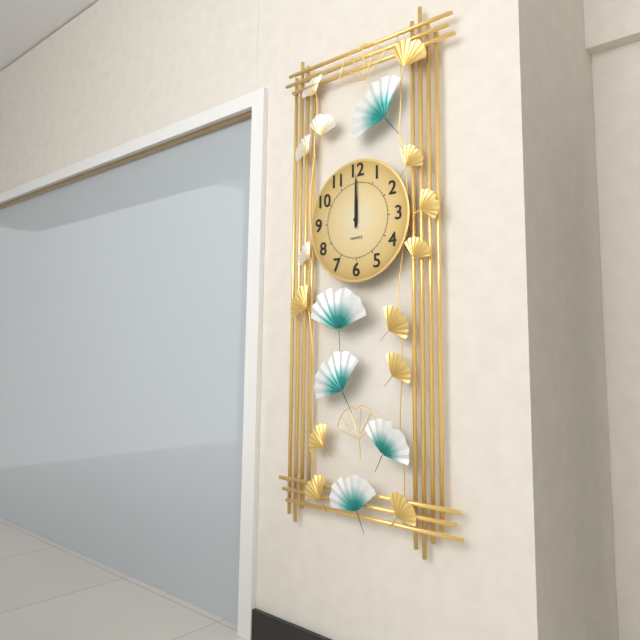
h=12 m=0
